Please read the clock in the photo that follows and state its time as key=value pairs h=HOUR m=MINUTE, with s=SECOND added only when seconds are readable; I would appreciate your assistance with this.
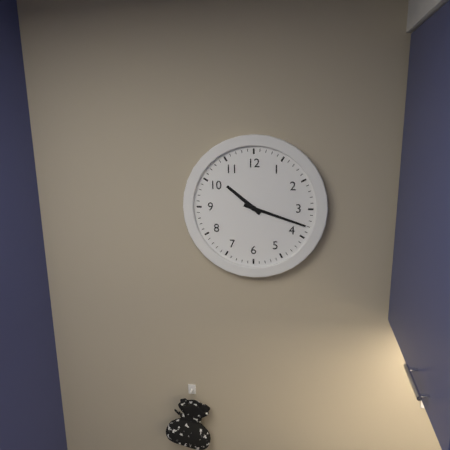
h=10 m=18
